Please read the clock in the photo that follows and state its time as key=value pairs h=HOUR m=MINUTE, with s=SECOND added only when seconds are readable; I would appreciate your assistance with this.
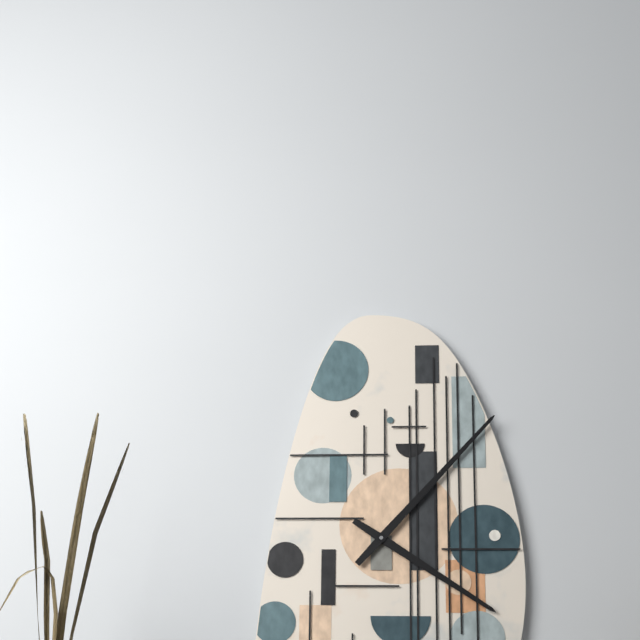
h=4 m=7
